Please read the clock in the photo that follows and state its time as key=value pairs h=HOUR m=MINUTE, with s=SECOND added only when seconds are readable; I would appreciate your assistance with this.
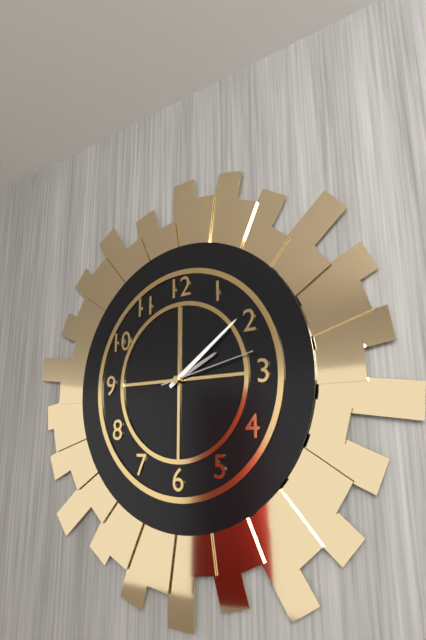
h=2 m=9 s=13
